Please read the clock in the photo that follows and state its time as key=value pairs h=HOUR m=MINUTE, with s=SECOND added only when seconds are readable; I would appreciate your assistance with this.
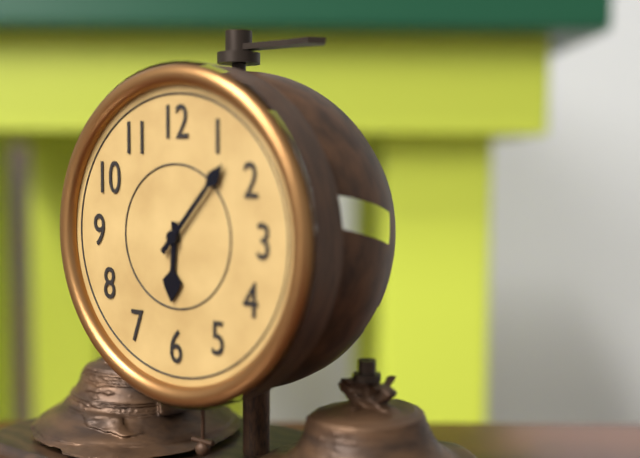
h=6 m=7
